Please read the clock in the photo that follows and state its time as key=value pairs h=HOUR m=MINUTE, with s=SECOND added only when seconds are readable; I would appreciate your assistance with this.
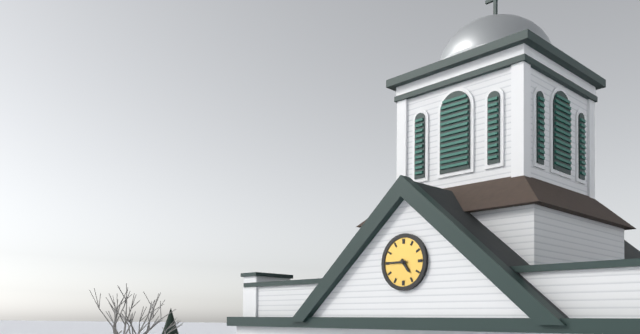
h=4 m=45
